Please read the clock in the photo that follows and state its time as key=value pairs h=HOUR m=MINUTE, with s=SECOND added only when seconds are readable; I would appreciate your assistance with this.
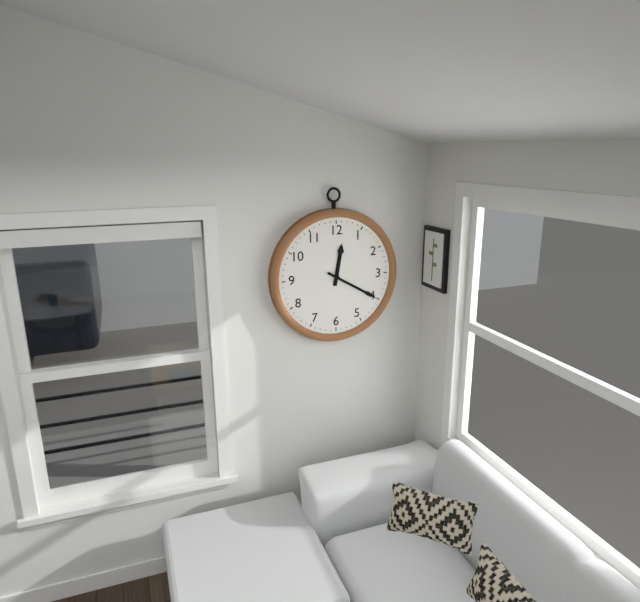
h=12 m=20
